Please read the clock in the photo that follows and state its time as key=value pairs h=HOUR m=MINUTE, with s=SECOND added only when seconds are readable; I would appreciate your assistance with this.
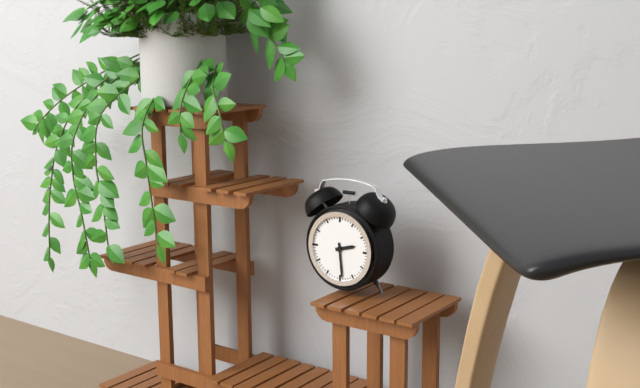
h=2 m=29
